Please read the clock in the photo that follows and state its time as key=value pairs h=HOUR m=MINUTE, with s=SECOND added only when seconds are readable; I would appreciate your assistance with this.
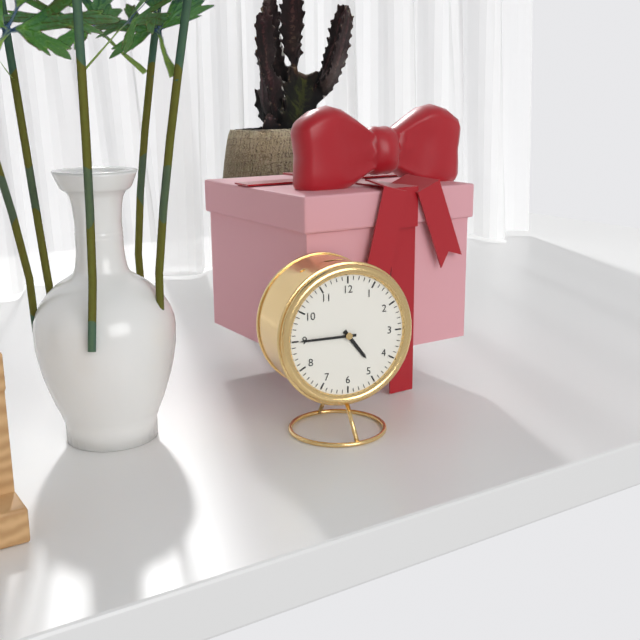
h=4 m=45
